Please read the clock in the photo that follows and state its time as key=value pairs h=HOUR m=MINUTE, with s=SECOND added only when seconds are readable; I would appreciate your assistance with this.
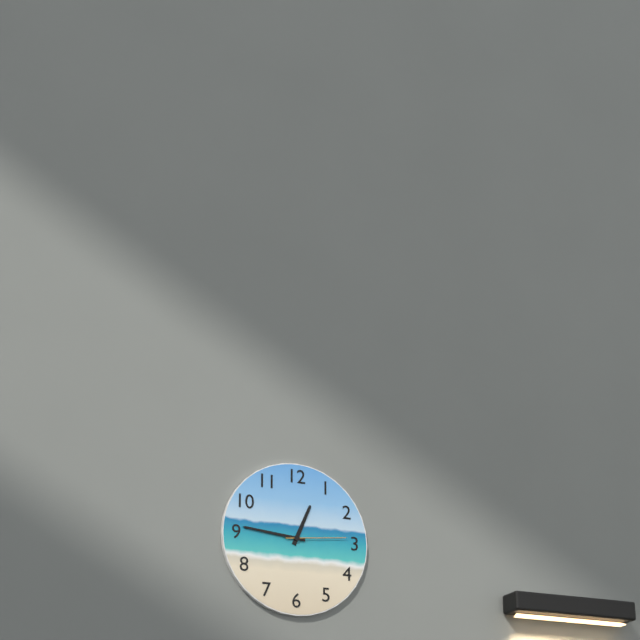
h=12 m=46 s=14
